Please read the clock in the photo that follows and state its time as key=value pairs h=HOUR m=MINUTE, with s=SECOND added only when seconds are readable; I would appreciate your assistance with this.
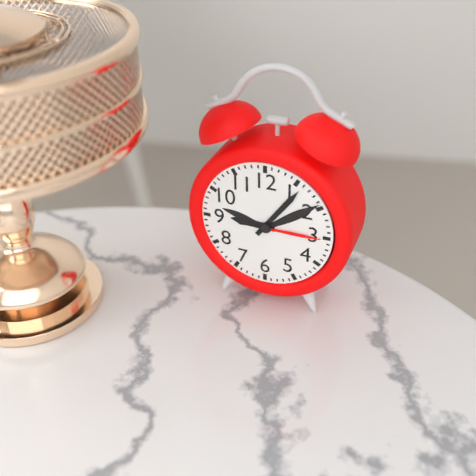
h=9 m=6
